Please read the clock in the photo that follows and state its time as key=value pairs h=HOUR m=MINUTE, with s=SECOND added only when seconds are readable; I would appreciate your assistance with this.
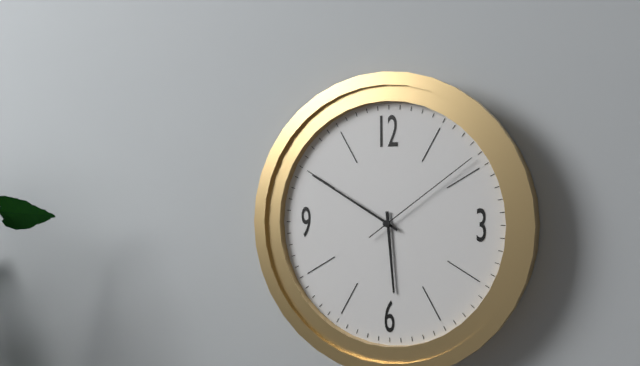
h=5 m=50 s=9
